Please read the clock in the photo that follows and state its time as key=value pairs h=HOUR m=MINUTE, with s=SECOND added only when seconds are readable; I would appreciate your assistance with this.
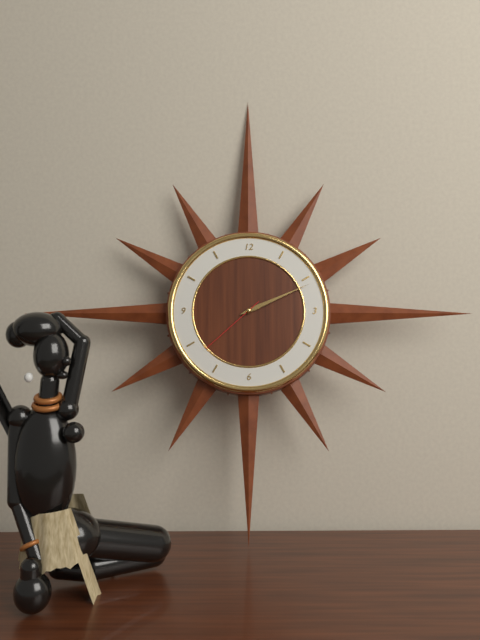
h=2 m=11 s=38
